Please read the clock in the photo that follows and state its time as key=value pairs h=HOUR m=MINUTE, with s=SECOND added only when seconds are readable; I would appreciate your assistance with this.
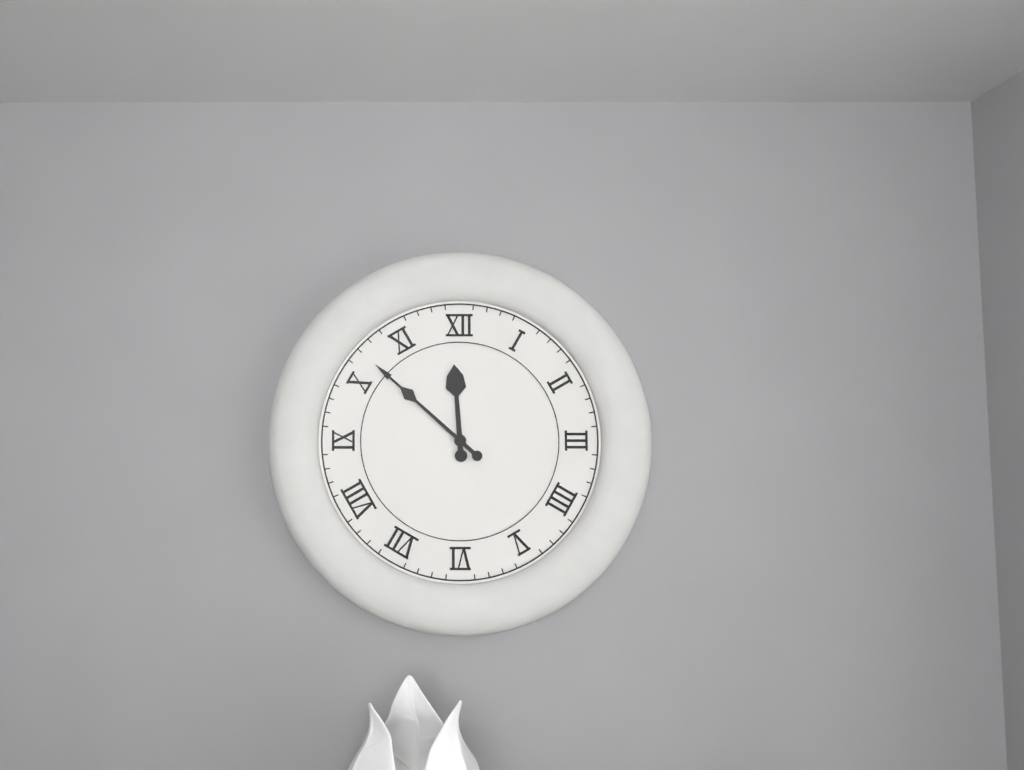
h=11 m=52
